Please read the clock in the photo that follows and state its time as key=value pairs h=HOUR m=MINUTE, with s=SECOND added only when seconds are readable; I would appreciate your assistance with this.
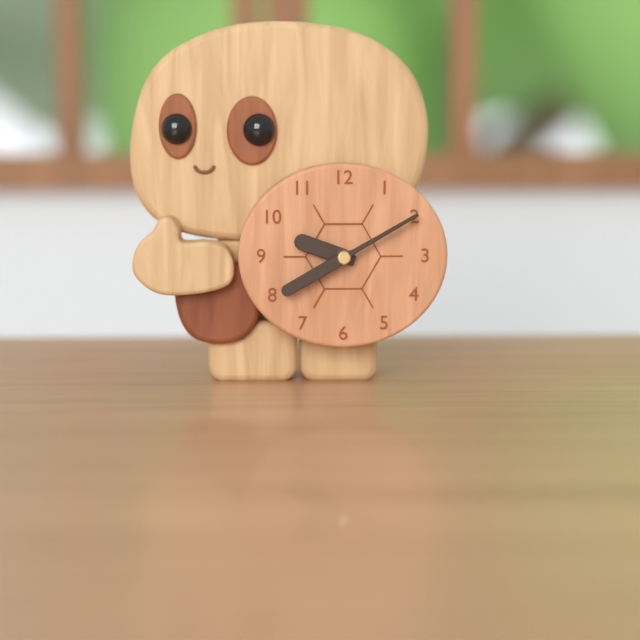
h=9 m=40
